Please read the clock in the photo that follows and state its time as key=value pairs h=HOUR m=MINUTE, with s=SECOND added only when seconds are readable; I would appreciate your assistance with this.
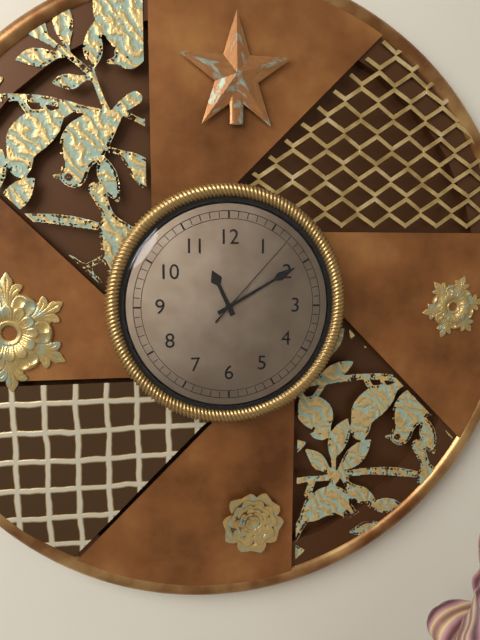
h=11 m=10 s=7
